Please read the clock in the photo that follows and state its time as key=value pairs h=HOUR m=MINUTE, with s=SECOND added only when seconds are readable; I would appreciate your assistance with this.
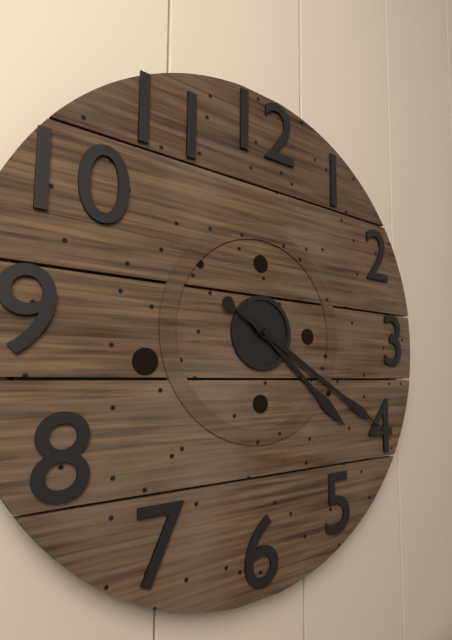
h=4 m=20
